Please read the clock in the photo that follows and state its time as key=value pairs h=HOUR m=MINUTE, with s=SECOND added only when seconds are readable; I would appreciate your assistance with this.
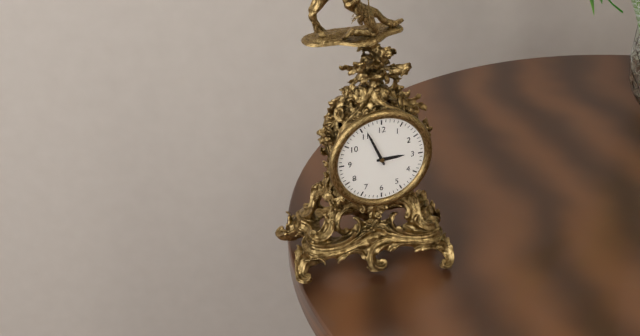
h=2 m=56
